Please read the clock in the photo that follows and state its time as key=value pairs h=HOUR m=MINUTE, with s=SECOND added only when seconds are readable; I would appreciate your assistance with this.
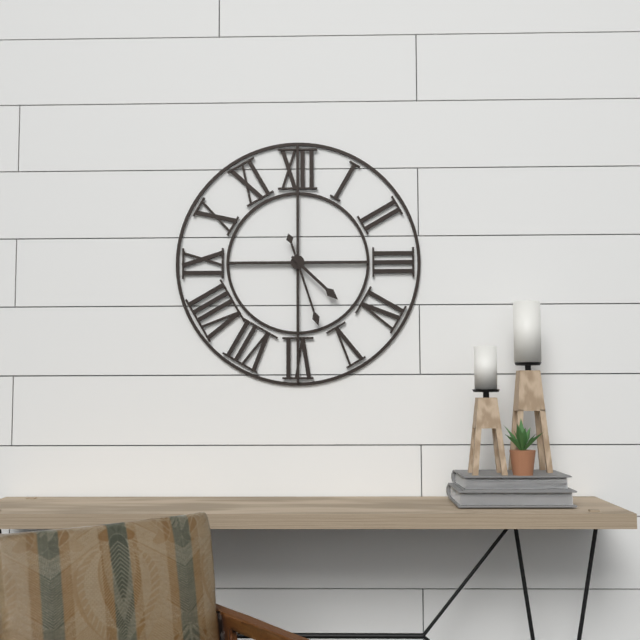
h=4 m=27
